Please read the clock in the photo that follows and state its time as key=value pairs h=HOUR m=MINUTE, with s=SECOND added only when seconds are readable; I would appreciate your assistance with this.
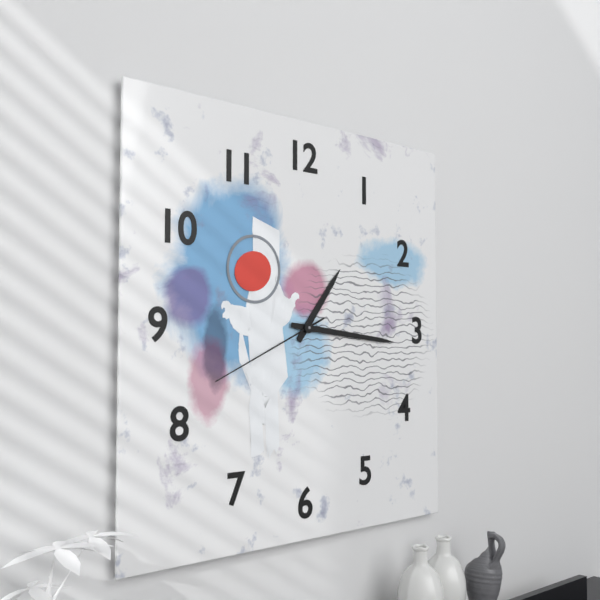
h=1 m=16 s=41
